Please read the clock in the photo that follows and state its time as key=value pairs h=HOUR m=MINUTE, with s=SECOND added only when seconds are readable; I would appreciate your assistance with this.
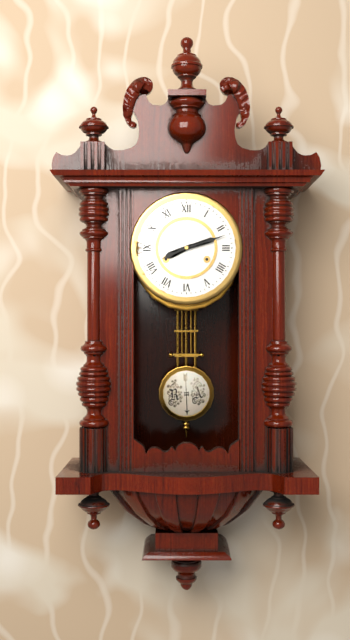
h=8 m=12
